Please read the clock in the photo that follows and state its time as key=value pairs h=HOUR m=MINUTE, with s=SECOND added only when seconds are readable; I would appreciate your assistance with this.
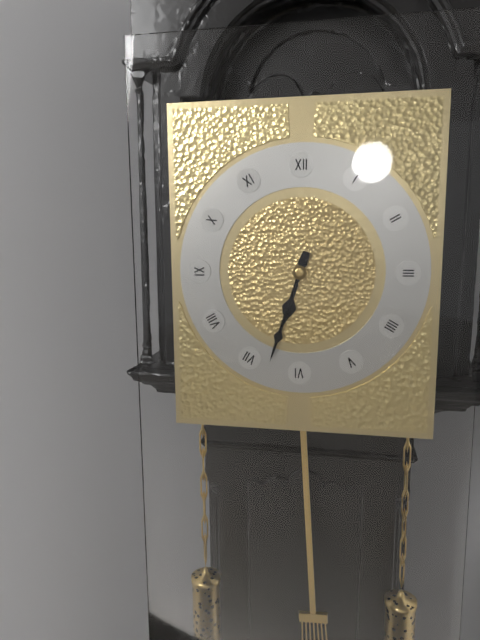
h=6 m=33
